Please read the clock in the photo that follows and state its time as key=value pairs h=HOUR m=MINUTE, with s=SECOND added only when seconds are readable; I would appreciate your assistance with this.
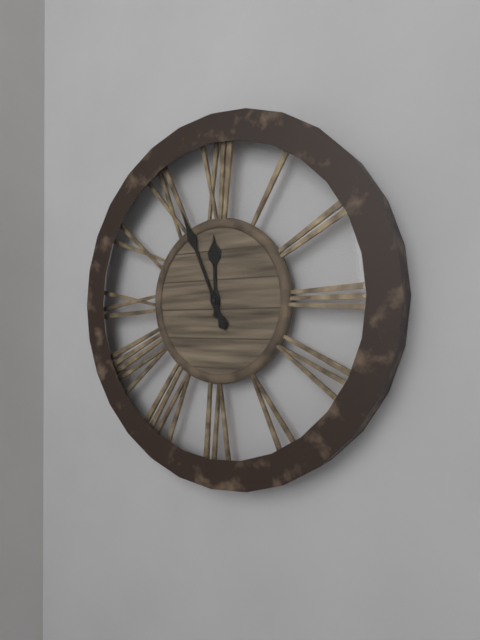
h=11 m=56
